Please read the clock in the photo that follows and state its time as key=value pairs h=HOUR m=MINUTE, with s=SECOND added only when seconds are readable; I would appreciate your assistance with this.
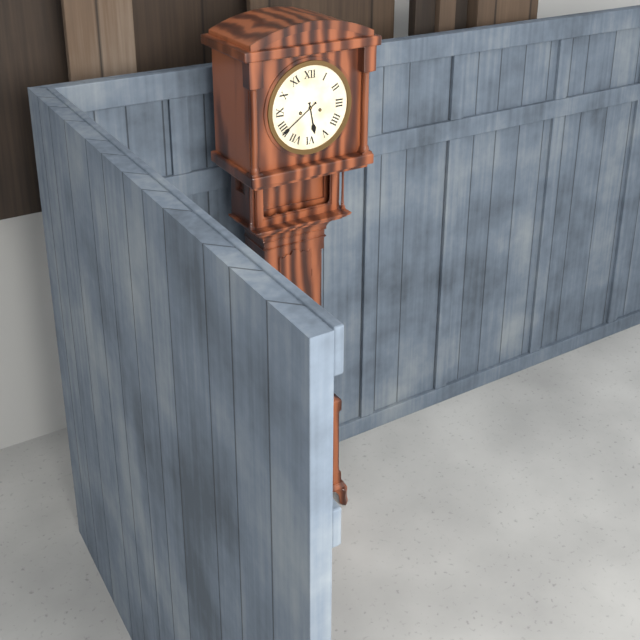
h=5 m=39
